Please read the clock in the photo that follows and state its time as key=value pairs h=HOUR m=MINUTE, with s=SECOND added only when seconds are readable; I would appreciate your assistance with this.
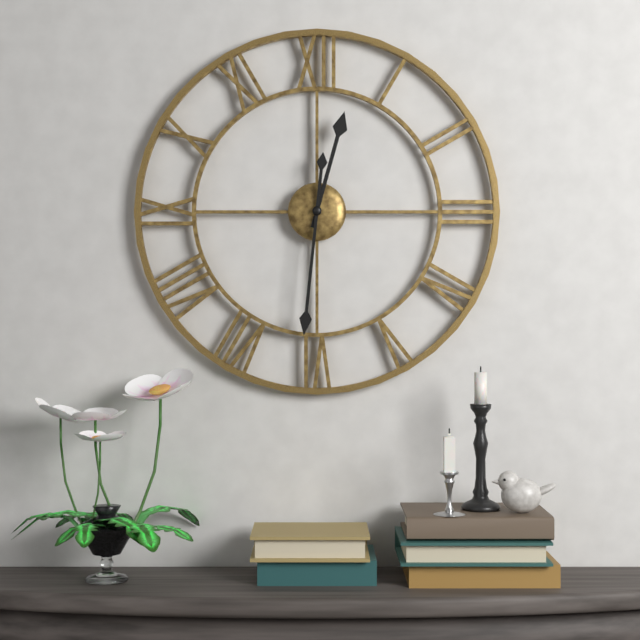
h=12 m=31
